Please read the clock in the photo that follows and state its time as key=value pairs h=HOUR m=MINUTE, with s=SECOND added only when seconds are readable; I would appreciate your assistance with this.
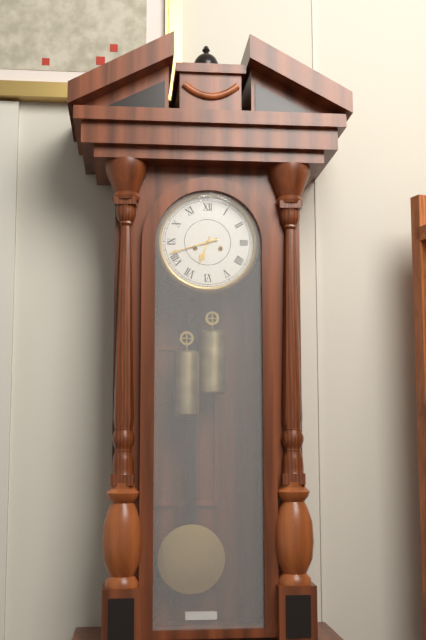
h=6 m=42
